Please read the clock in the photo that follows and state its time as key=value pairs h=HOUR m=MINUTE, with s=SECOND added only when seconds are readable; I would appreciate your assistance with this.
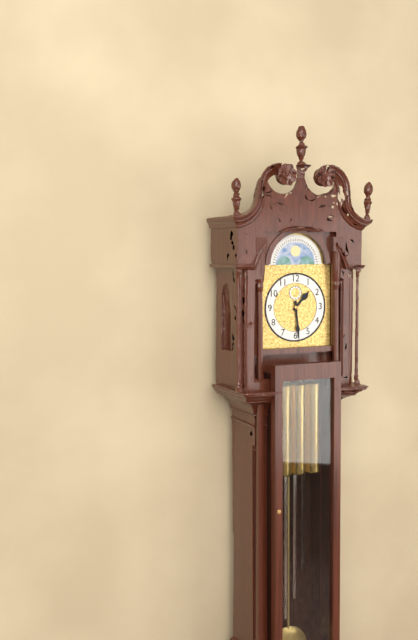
h=1 m=29
